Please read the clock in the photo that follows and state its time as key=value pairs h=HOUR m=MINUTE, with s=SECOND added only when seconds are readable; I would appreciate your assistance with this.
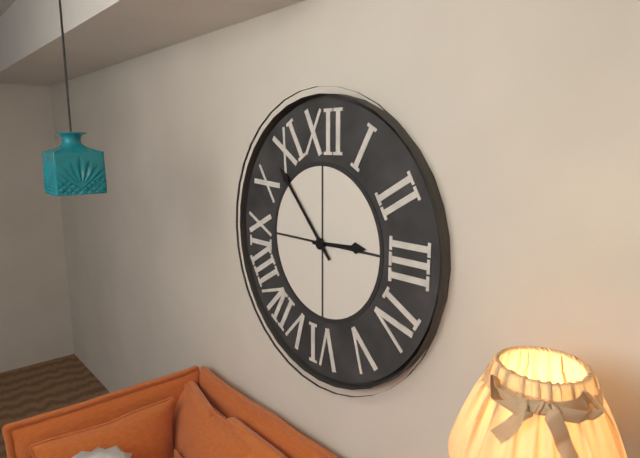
h=2 m=53
